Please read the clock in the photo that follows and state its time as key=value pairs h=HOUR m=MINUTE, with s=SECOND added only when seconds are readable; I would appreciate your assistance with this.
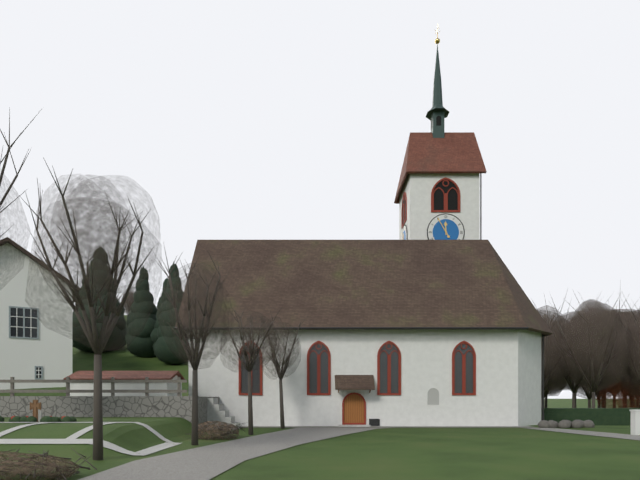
h=11 m=55
